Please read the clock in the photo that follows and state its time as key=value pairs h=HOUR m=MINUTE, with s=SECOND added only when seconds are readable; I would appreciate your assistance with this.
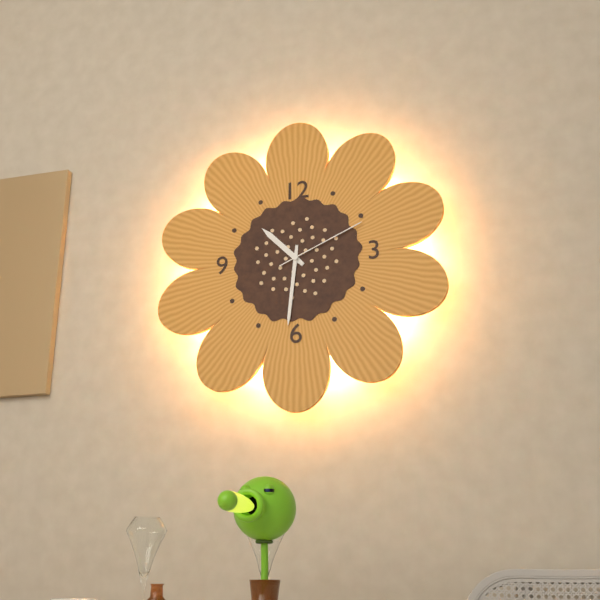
h=10 m=31 s=11
